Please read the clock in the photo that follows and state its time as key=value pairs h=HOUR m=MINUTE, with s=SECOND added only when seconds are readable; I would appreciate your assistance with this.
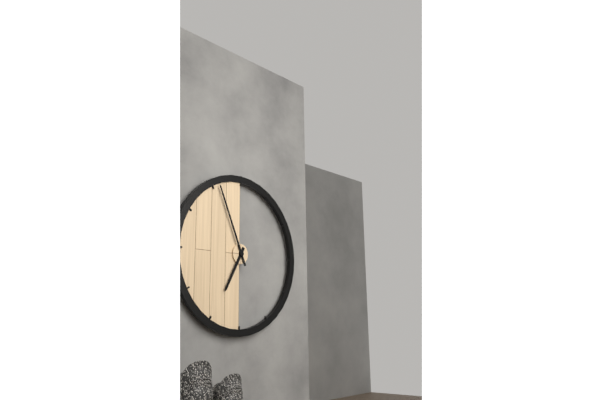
h=6 m=56
